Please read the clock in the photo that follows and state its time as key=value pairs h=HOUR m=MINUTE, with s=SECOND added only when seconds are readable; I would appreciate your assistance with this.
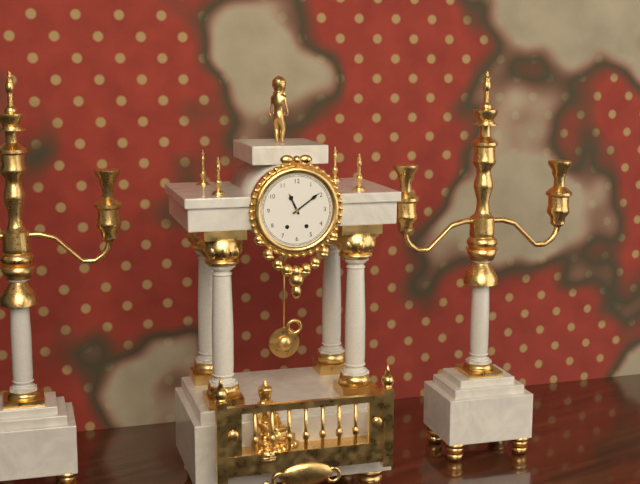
h=11 m=9
